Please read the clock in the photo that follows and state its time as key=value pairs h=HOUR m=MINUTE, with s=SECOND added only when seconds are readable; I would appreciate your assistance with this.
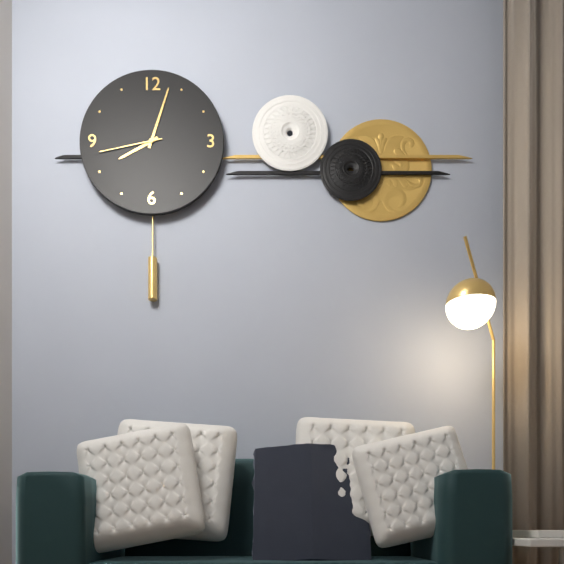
h=8 m=3 s=43
